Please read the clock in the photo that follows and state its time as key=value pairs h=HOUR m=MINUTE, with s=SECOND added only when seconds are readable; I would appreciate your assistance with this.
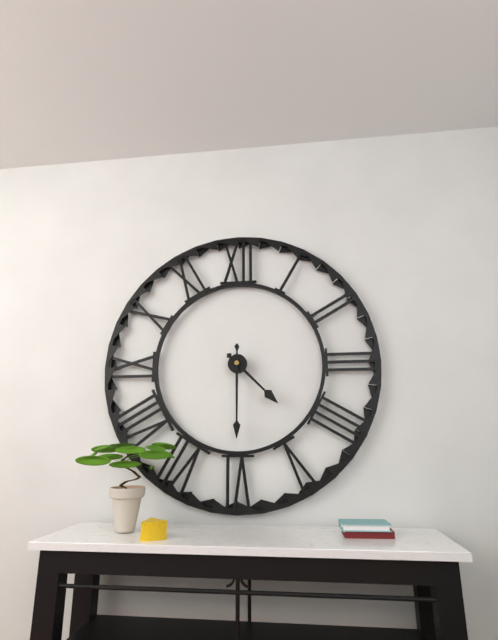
h=4 m=30
